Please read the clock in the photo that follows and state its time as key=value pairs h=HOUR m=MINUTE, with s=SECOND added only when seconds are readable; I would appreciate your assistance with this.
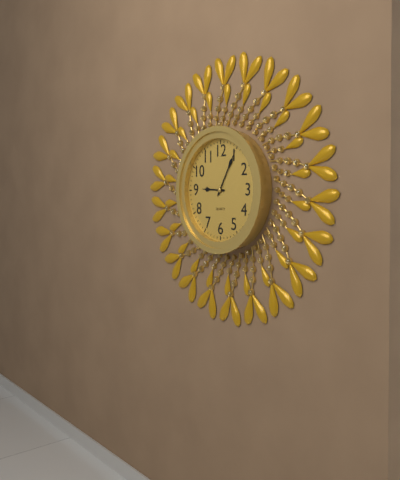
h=9 m=5
